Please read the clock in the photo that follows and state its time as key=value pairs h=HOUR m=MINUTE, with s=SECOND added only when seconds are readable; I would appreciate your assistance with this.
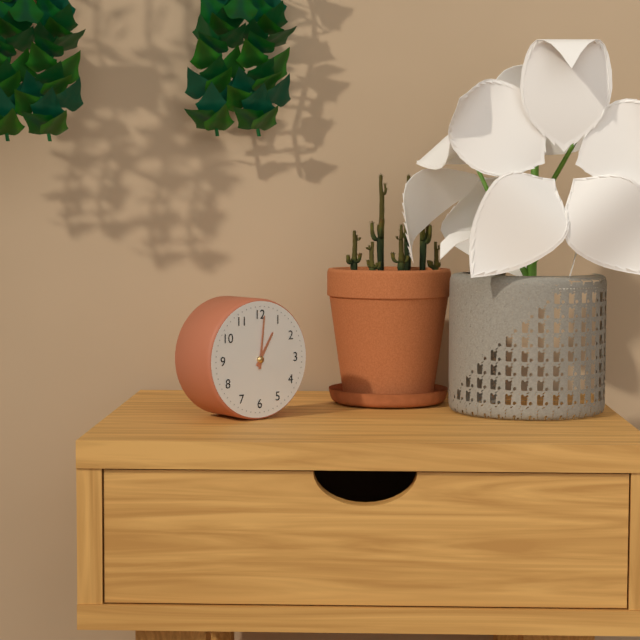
h=1 m=1
